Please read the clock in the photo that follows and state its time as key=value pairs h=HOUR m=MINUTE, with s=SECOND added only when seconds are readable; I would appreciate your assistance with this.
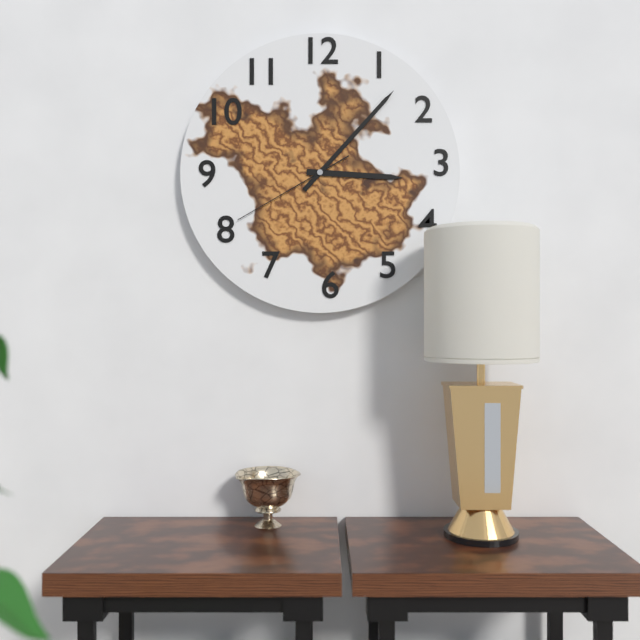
h=3 m=7 s=40
